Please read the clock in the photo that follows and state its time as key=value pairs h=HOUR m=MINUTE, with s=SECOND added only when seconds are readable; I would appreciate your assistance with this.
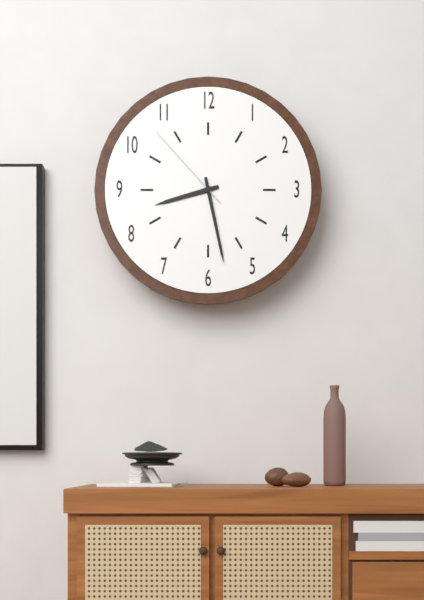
h=8 m=28 s=53
